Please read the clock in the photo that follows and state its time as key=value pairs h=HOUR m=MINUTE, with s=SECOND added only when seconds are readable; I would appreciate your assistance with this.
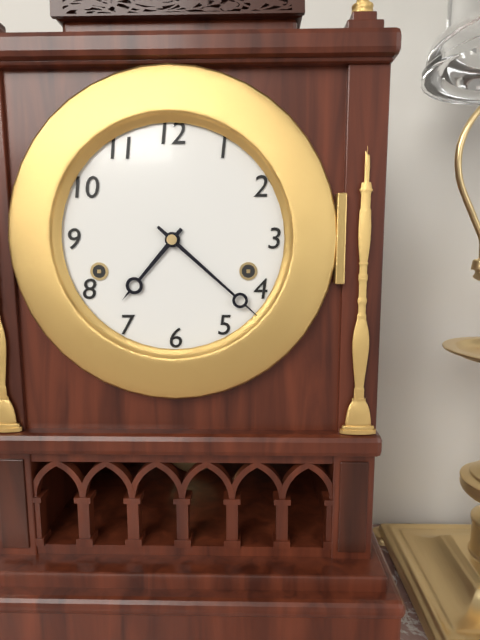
h=7 m=22
